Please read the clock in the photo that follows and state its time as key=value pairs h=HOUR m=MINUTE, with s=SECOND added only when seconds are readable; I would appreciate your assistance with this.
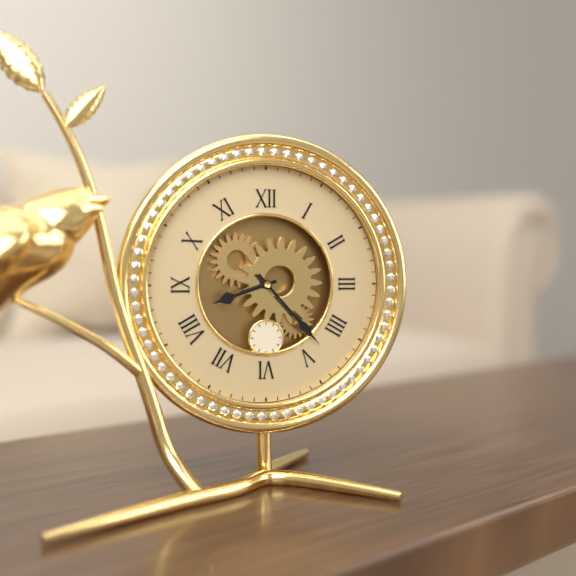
h=8 m=23
